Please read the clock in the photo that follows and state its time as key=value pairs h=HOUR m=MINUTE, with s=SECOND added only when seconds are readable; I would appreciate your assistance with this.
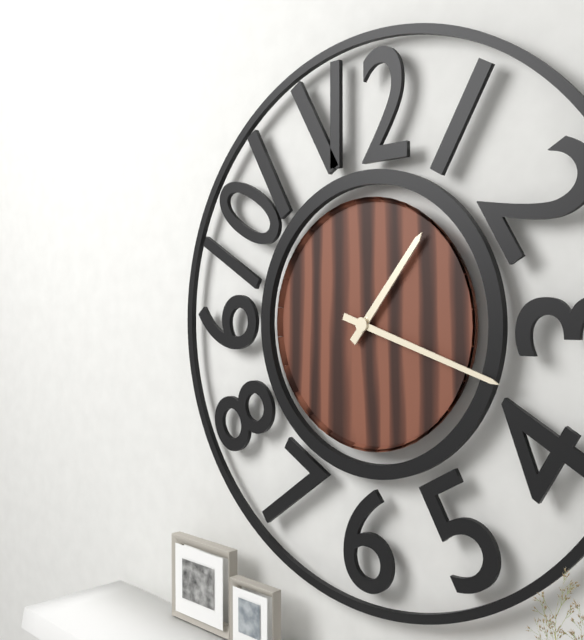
h=1 m=18
